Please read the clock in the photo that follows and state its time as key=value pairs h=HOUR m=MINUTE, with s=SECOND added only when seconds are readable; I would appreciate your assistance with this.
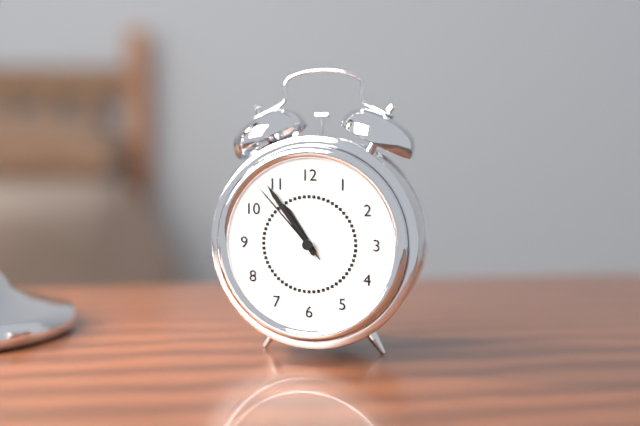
h=10 m=54 s=53
